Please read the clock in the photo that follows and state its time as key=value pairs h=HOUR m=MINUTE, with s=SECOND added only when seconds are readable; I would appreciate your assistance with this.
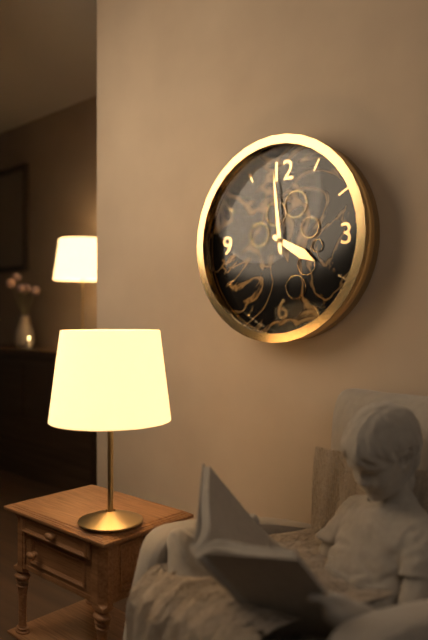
h=3 m=59
